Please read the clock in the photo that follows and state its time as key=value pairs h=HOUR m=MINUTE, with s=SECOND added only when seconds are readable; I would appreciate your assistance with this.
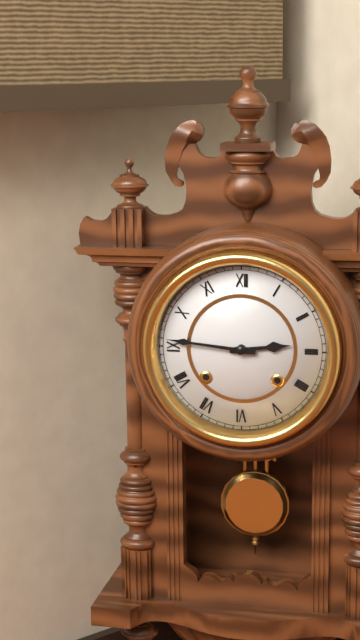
h=2 m=46
